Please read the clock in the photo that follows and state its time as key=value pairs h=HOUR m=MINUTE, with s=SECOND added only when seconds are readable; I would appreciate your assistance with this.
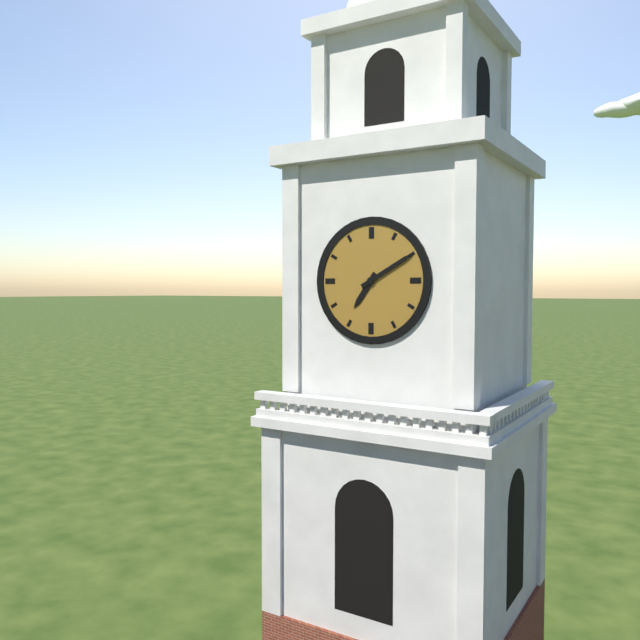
h=7 m=10
